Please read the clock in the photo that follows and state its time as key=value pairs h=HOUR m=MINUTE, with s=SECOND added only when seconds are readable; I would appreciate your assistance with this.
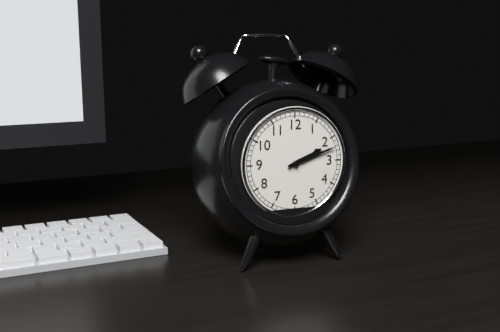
h=2 m=12
